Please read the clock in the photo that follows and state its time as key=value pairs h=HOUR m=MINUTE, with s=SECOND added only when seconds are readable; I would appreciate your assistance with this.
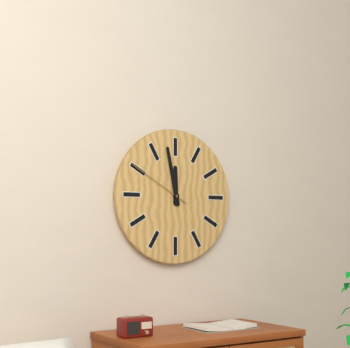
h=11 m=58 s=50
